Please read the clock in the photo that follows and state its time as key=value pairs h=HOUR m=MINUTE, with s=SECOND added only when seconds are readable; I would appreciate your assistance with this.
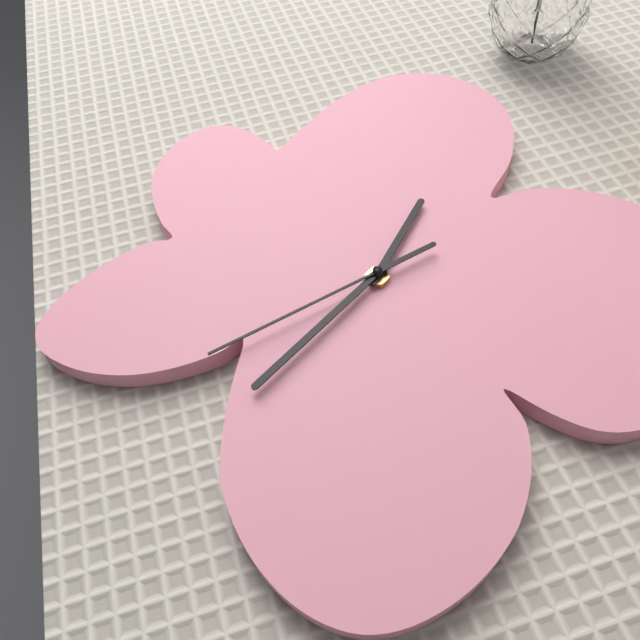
h=11 m=30 s=33
